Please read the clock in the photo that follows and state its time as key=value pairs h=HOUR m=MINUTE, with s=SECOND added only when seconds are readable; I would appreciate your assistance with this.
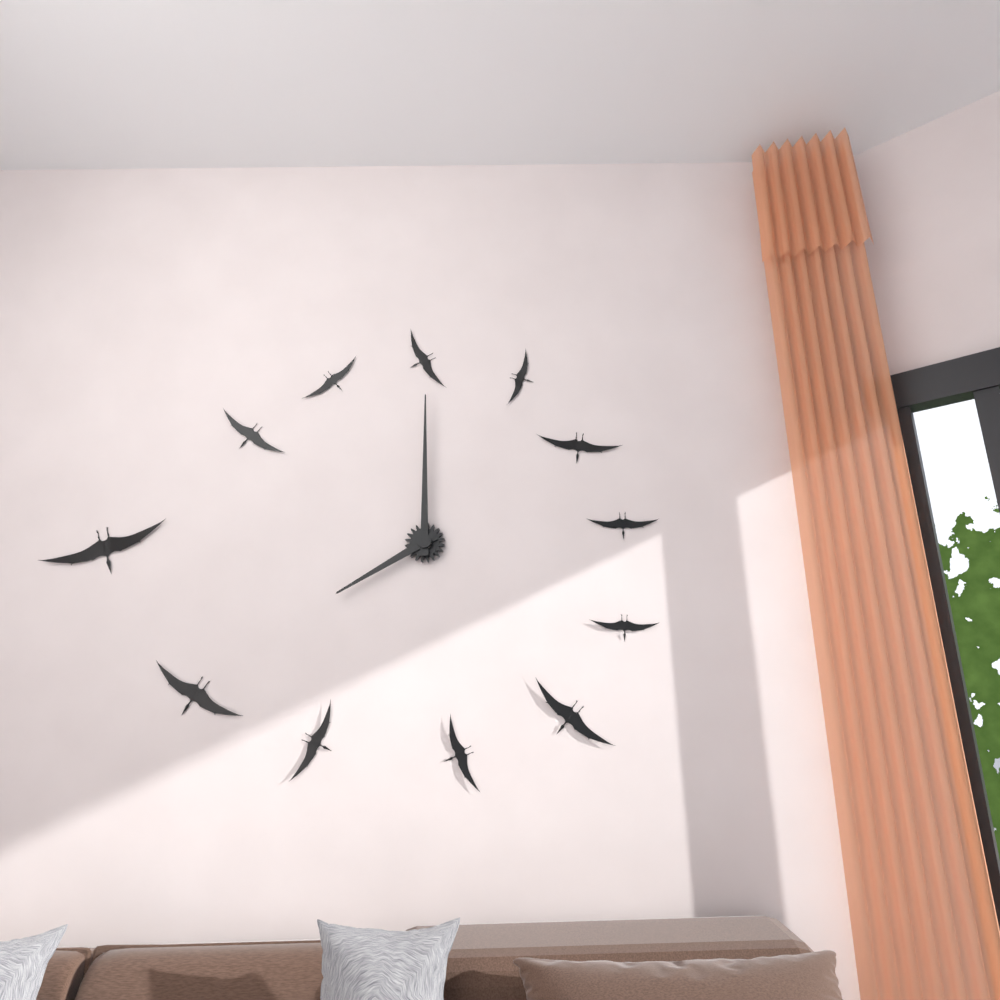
h=8 m=0
